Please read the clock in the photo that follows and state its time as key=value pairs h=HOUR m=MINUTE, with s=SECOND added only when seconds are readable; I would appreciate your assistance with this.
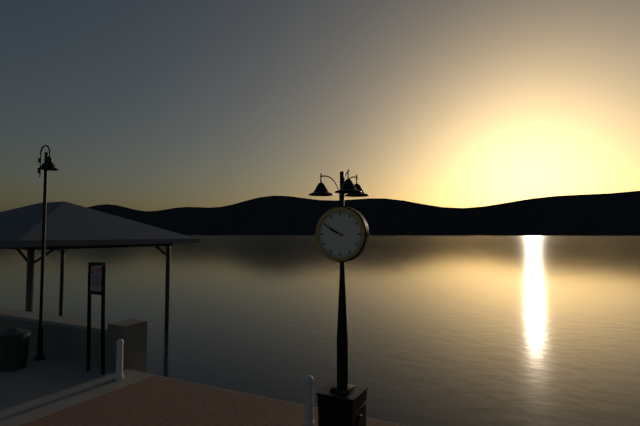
h=9 m=50
